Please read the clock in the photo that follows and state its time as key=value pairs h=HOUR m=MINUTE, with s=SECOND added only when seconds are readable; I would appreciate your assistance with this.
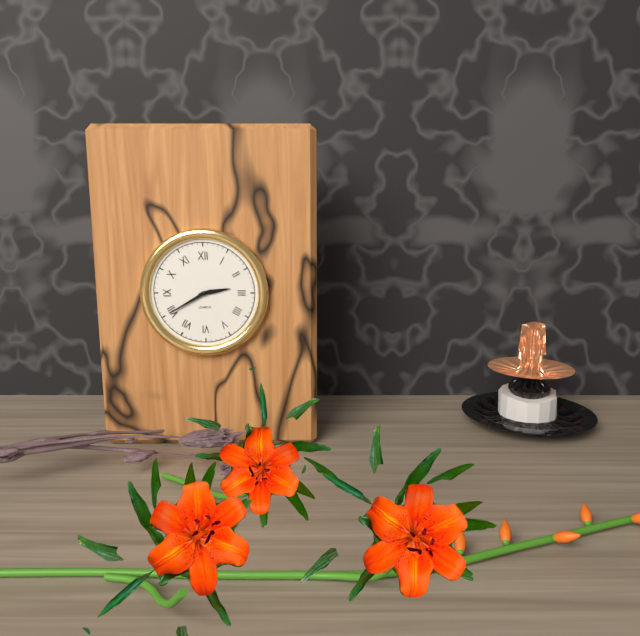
h=2 m=40
